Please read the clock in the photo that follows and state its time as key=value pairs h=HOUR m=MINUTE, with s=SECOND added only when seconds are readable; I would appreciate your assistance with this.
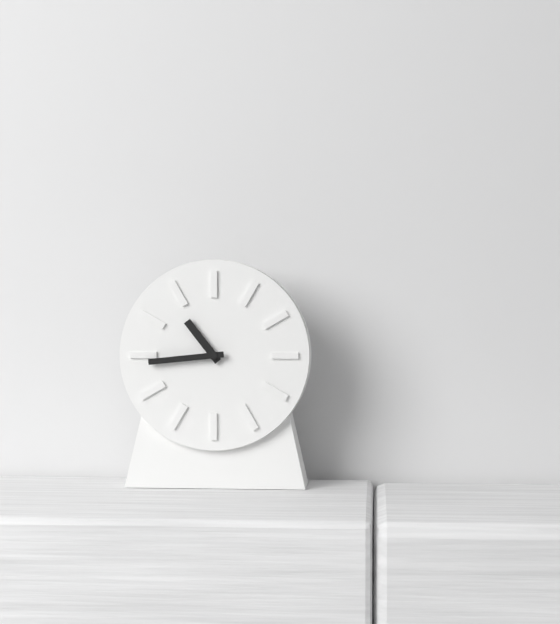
h=10 m=44
